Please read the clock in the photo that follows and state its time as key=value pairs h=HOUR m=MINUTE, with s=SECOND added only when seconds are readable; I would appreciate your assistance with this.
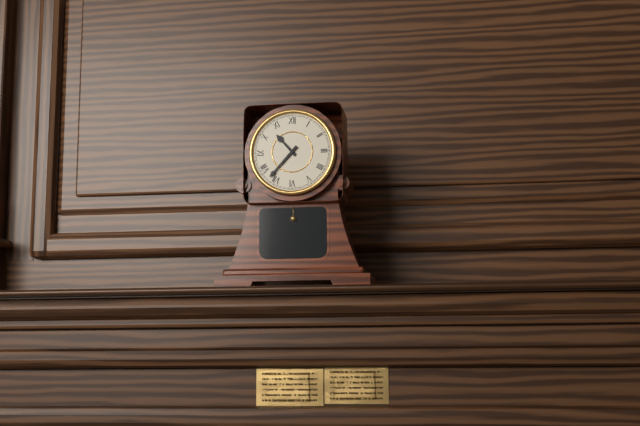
h=10 m=37
